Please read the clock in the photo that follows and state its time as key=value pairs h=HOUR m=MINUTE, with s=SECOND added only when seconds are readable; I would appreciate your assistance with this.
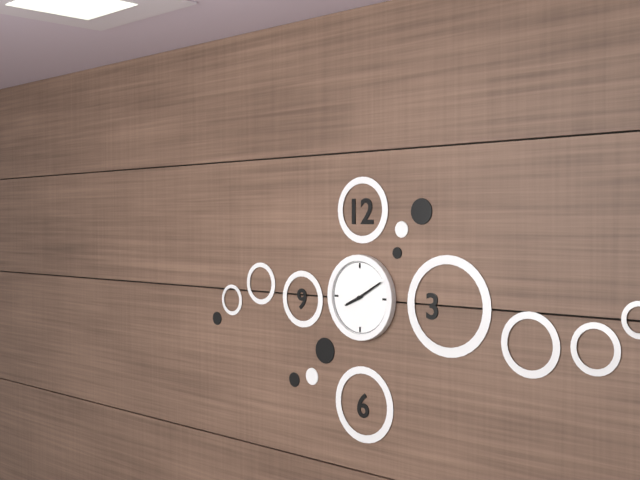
h=8 m=10
